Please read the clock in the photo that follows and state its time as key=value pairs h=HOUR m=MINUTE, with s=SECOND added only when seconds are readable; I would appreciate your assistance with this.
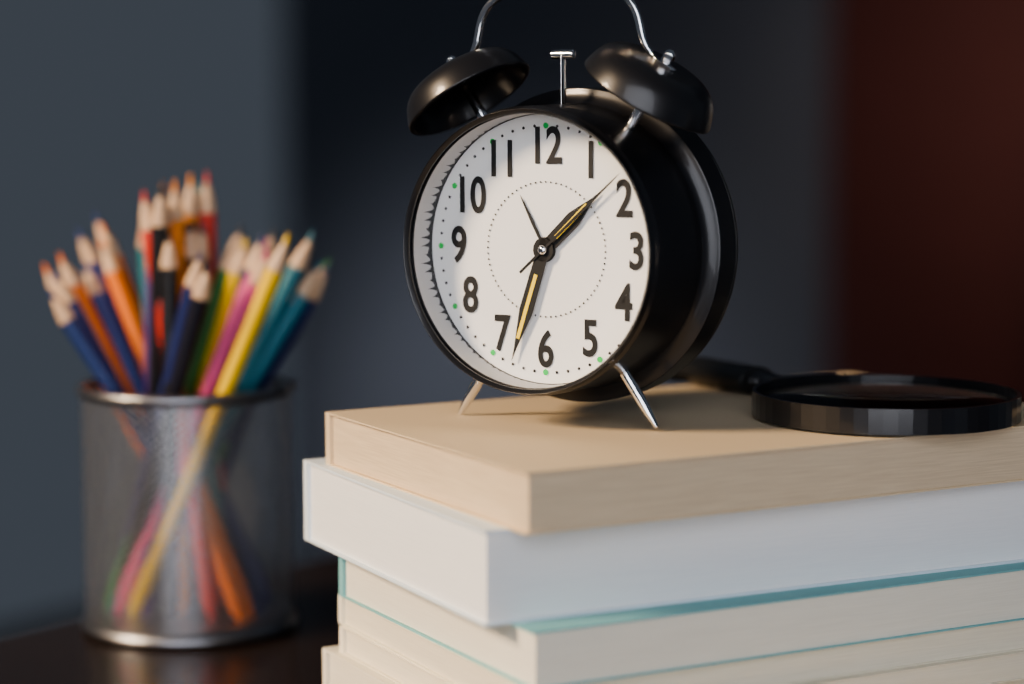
h=1 m=33 s=8
